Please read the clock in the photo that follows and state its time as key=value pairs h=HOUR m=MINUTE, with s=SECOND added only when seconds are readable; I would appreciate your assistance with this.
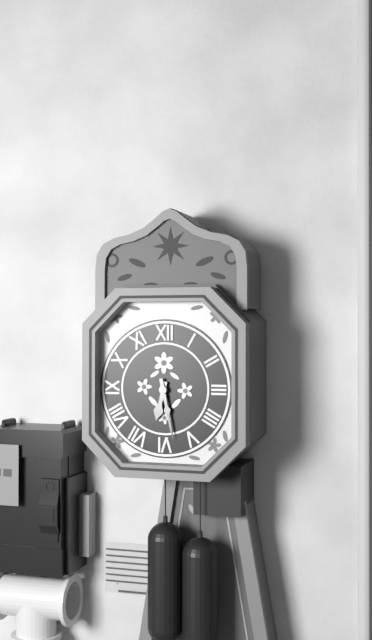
h=6 m=28
